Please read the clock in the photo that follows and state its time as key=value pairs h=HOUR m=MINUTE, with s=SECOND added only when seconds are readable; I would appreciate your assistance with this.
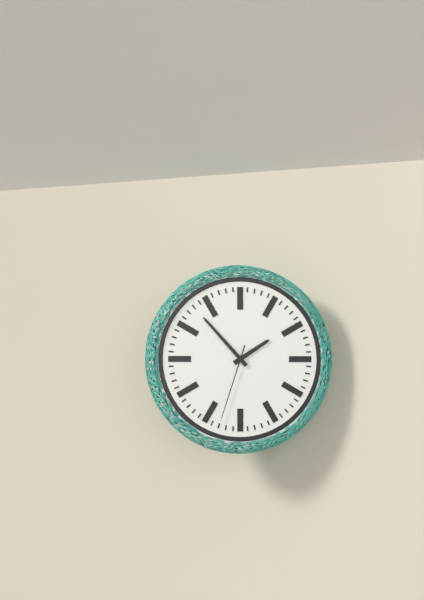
h=1 m=53 s=33
